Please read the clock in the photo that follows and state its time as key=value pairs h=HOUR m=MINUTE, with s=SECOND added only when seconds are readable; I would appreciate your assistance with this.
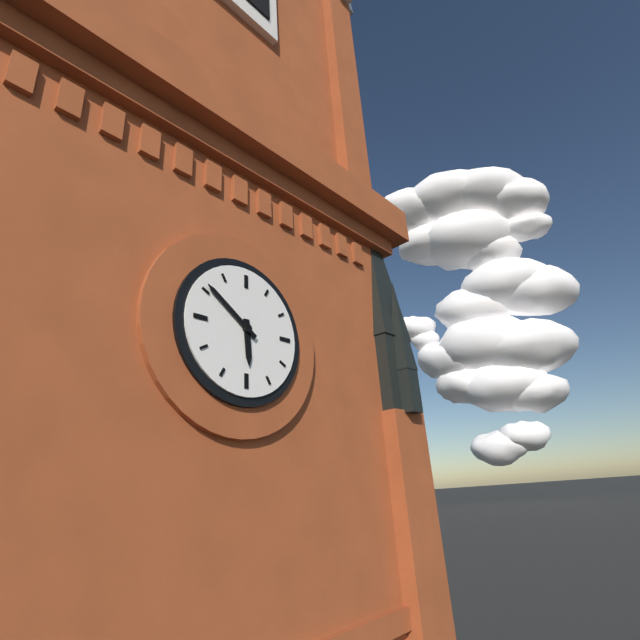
h=5 m=51
